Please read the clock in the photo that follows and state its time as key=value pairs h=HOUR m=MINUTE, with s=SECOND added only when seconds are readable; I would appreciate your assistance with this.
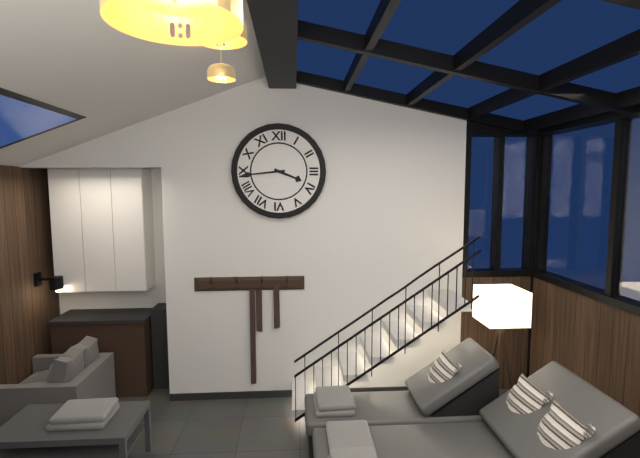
h=3 m=44
